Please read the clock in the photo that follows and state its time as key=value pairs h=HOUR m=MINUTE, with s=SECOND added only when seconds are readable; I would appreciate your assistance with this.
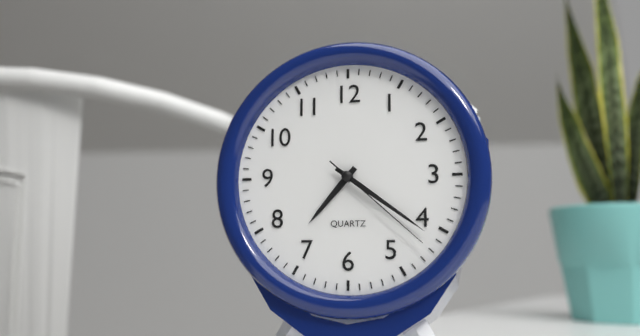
h=7 m=21 s=22
